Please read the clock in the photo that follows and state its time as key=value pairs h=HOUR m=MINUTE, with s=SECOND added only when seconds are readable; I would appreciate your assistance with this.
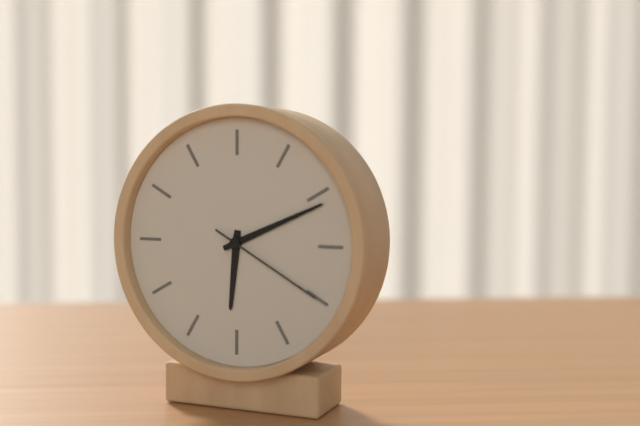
h=6 m=11 s=20
